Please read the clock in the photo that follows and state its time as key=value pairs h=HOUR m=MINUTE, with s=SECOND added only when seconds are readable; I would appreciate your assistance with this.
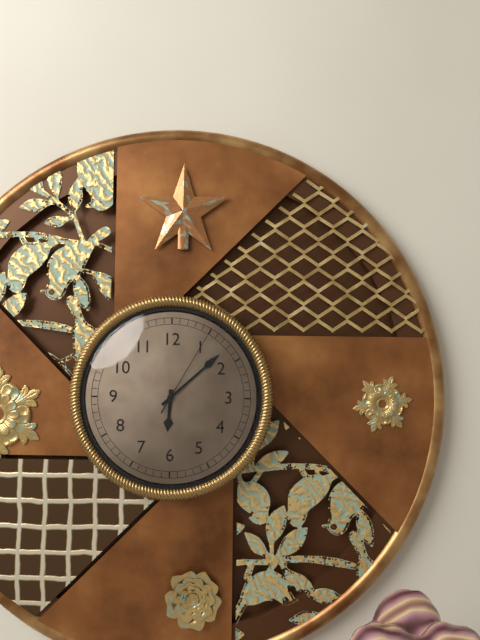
h=6 m=8 s=5
